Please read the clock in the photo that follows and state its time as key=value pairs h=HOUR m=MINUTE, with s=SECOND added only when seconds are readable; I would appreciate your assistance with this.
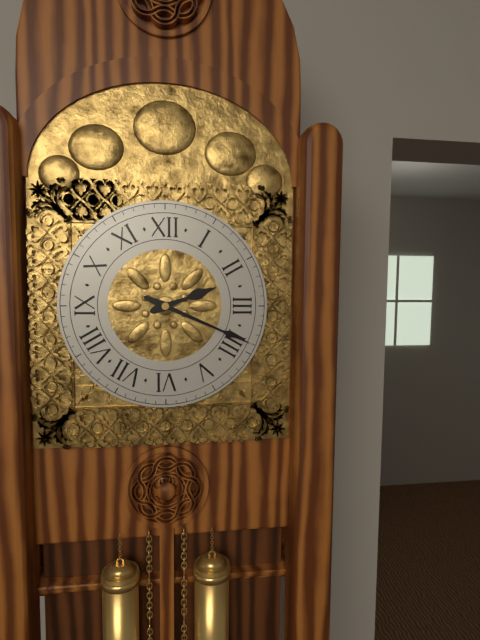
h=2 m=19
